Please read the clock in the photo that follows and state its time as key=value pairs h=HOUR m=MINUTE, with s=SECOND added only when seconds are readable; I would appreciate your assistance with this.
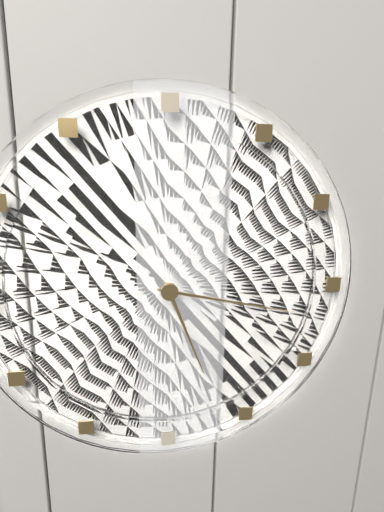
h=5 m=17
